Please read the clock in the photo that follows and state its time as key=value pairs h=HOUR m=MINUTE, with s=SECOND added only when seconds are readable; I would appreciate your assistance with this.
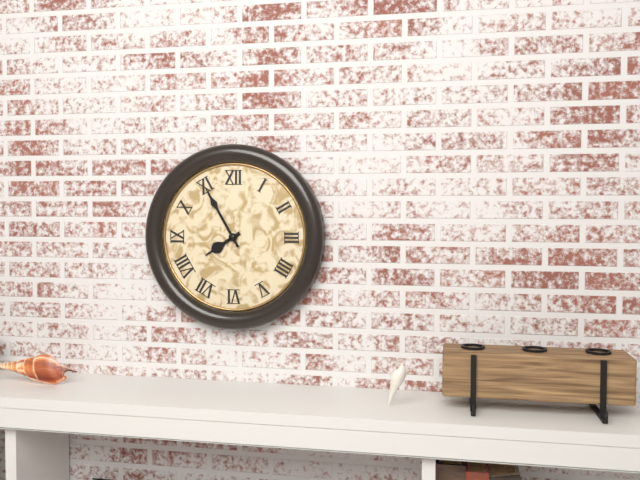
h=7 m=55
